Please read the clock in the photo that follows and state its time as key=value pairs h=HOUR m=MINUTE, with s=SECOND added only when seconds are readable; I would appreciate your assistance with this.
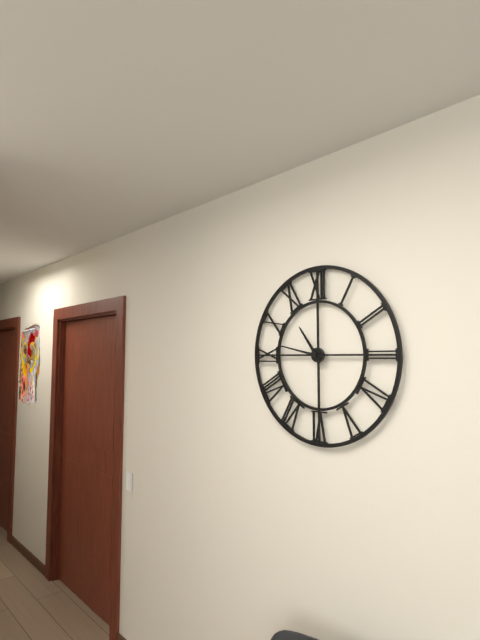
h=10 m=47
